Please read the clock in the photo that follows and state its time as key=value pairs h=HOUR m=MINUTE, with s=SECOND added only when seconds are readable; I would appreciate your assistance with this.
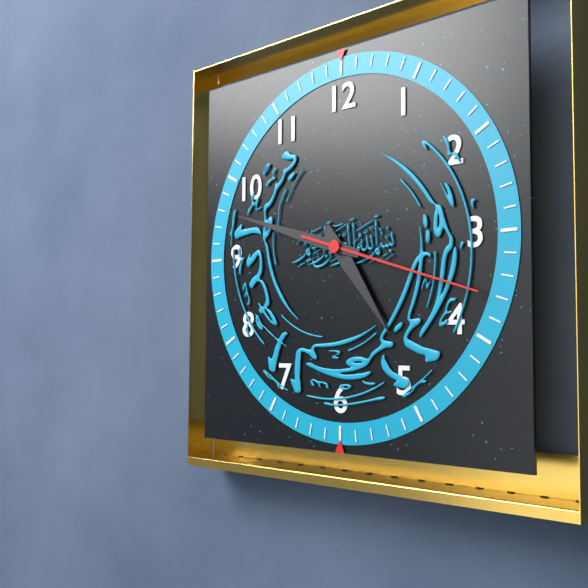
h=4 m=48 s=18
